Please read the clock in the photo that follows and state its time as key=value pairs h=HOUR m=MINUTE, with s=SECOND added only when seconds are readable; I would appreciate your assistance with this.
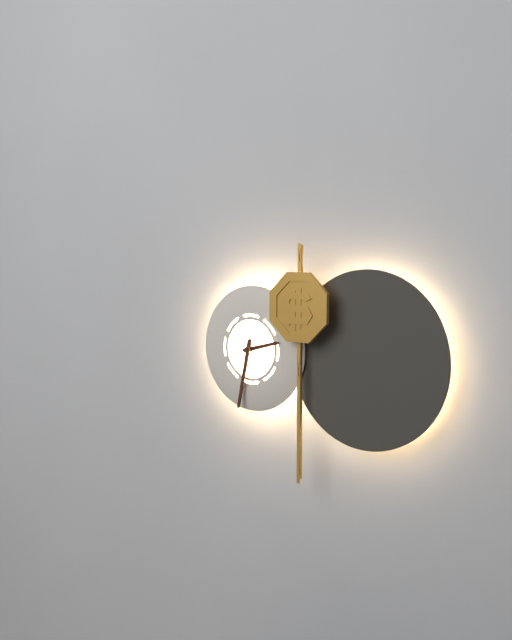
h=2 m=32
